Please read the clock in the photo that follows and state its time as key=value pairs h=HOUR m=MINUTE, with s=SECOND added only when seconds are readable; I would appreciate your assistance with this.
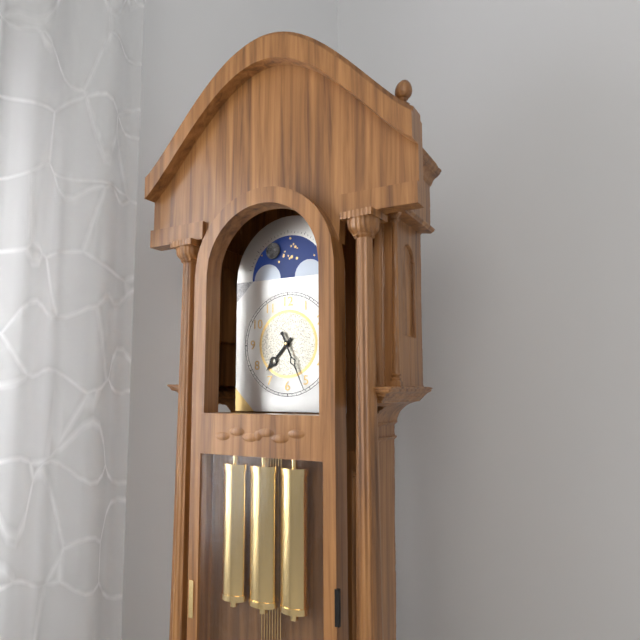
h=7 m=26
